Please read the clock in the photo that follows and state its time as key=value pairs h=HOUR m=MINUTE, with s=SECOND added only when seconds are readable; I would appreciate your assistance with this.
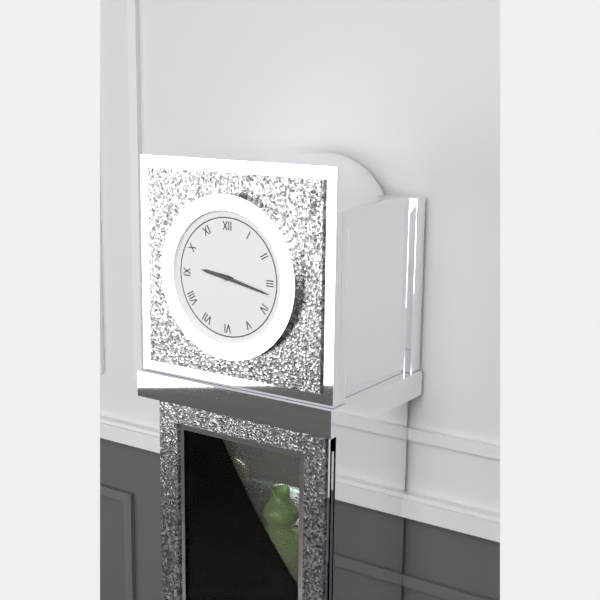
h=9 m=17
